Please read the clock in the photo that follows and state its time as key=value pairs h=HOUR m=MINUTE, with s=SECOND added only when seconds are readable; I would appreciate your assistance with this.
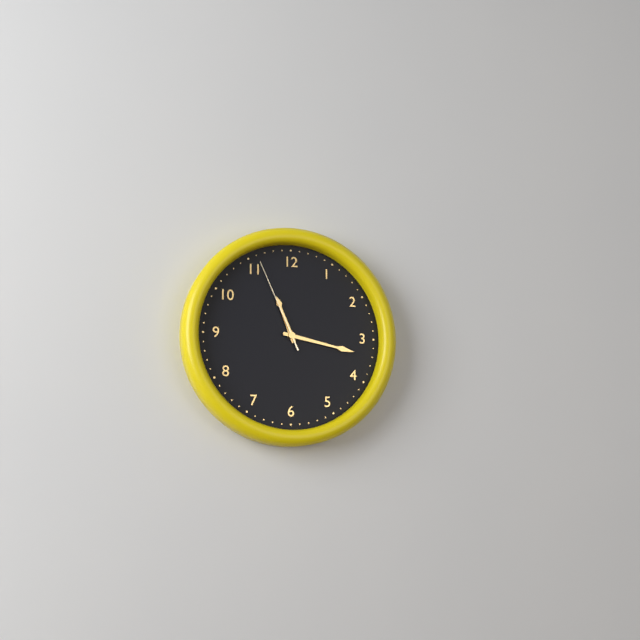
h=11 m=17 s=56
